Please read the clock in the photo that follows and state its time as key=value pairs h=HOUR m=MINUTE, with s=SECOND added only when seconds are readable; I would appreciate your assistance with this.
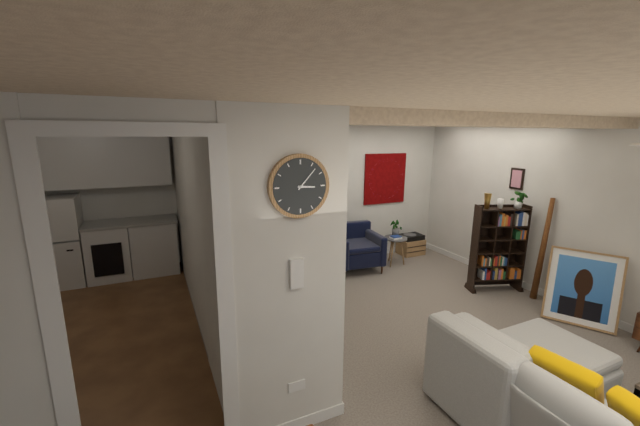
h=3 m=7
